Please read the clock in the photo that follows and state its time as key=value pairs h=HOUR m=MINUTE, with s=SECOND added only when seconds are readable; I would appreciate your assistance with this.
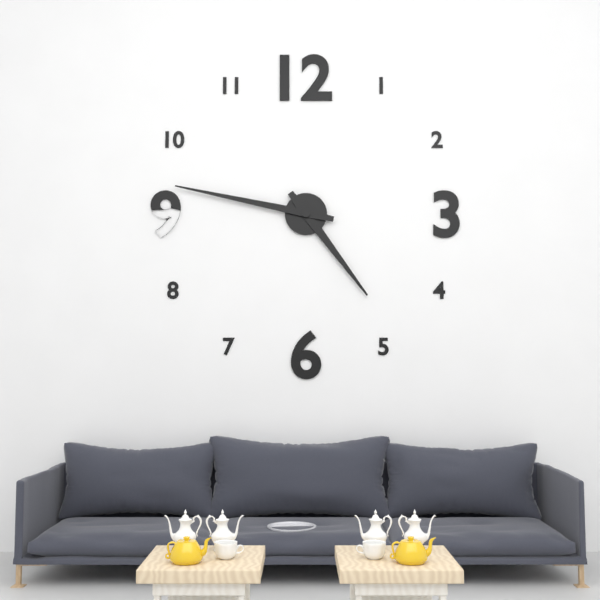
h=4 m=47
